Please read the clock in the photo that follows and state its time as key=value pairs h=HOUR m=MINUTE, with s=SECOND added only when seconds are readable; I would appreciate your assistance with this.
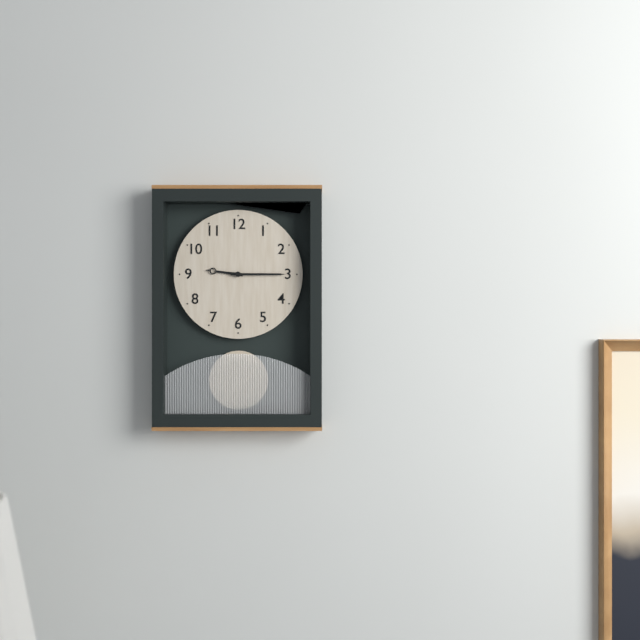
h=9 m=15
